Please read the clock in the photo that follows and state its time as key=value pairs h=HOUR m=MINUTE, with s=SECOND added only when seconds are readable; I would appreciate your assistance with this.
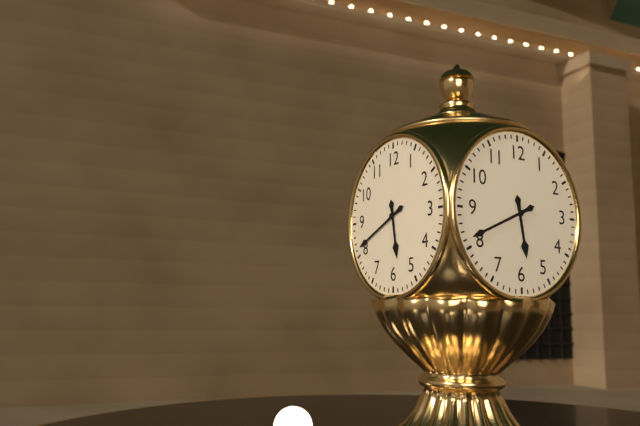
h=5 m=41
